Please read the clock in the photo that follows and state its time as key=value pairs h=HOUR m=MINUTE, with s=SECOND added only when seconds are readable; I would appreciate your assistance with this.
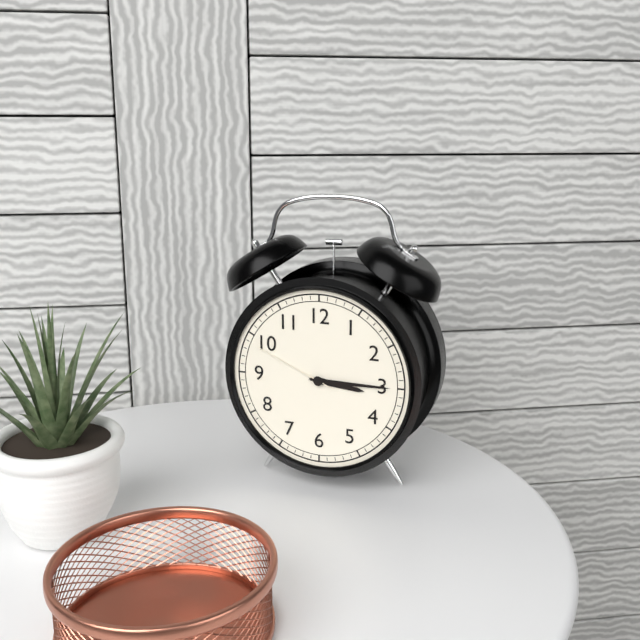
h=3 m=15 s=49
